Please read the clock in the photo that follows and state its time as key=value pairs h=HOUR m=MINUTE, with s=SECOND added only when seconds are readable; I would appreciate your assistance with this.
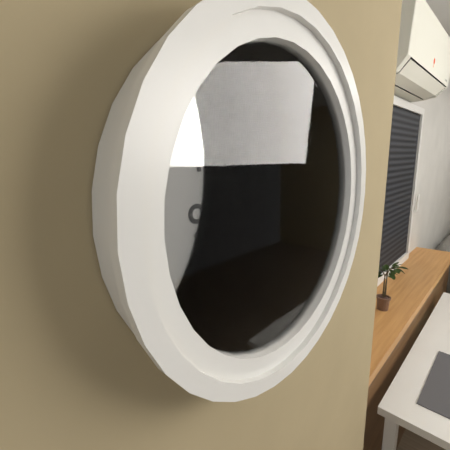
h=1 m=59
